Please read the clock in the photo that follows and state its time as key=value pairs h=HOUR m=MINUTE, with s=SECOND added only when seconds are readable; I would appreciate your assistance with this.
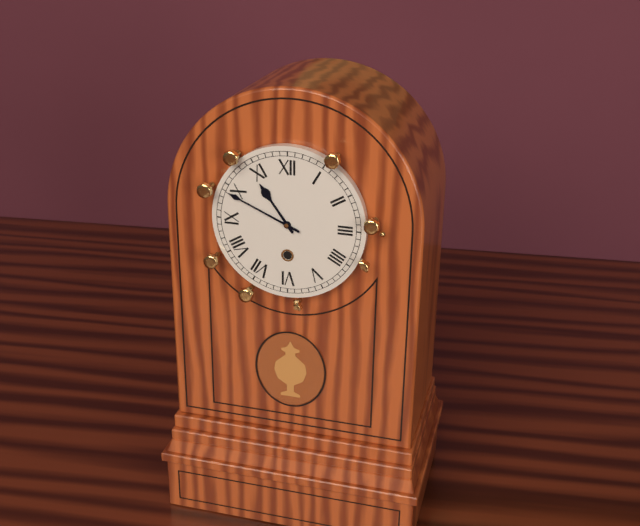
h=10 m=49
